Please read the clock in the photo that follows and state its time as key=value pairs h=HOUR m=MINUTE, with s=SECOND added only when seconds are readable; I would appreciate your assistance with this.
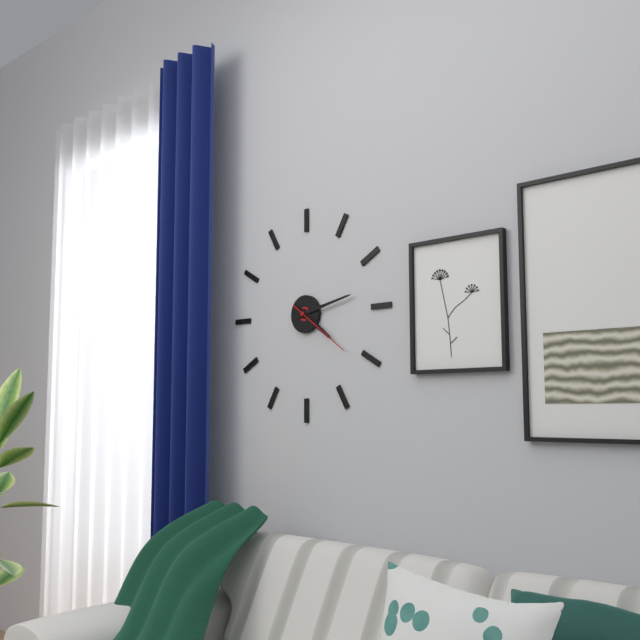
h=4 m=13 s=21
